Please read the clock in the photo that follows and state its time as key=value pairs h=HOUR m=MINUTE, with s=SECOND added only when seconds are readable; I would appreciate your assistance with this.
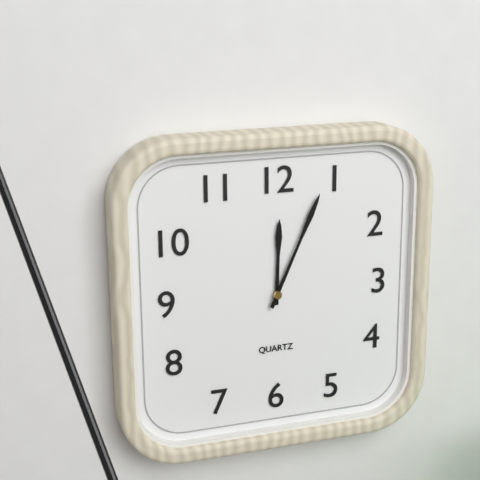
h=12 m=4
